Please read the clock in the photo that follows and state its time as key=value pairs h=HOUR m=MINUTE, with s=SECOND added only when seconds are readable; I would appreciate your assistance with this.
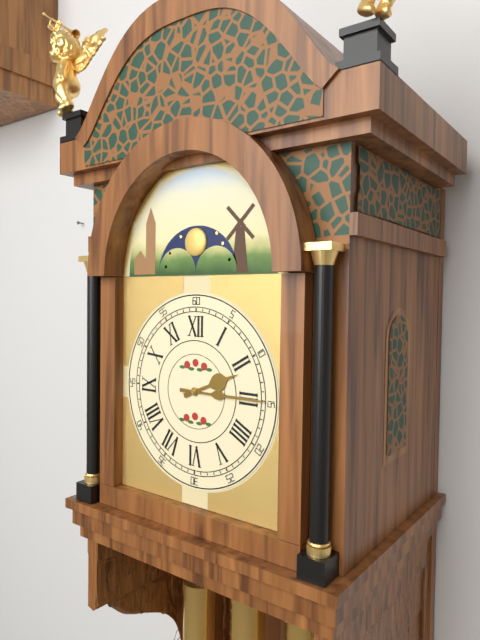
h=2 m=15
